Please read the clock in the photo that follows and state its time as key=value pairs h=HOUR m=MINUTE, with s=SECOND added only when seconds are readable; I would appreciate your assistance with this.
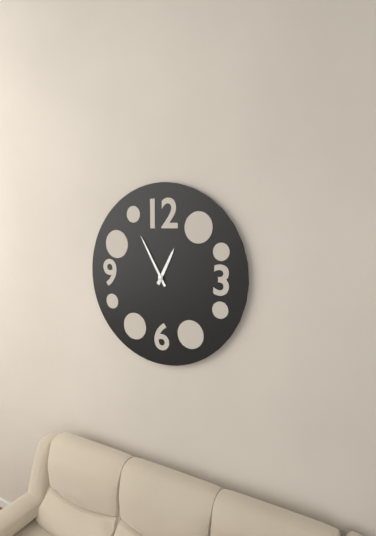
h=12 m=55
